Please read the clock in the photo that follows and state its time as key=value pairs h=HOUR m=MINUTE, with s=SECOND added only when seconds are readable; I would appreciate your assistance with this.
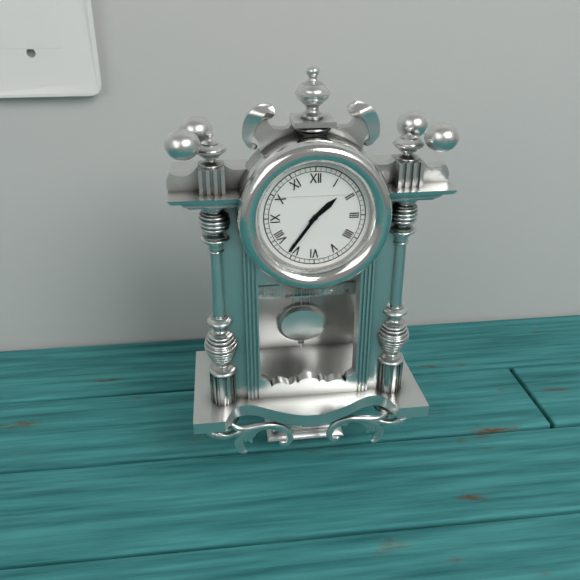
h=1 m=36
